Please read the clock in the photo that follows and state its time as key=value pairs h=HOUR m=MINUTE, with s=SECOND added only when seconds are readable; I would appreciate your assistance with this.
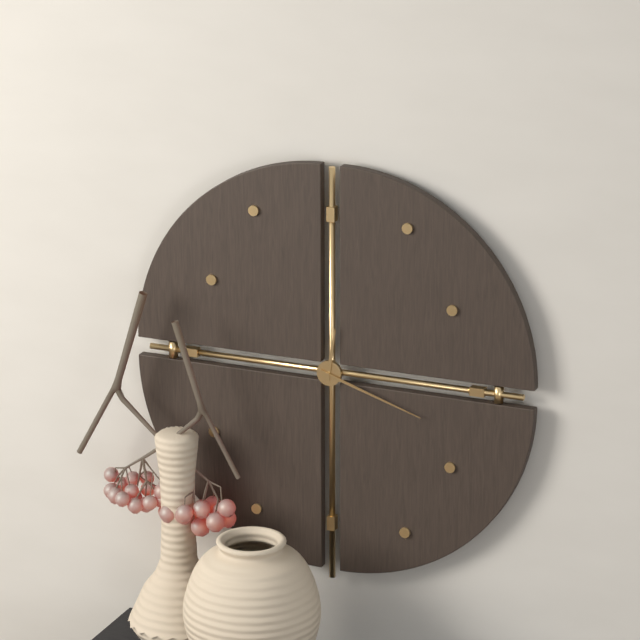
h=12 m=18
